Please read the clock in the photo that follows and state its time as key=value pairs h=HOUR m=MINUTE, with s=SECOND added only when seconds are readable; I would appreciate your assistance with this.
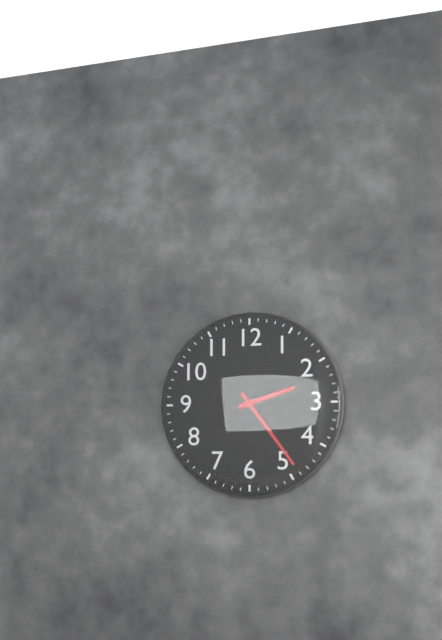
h=2 m=24
